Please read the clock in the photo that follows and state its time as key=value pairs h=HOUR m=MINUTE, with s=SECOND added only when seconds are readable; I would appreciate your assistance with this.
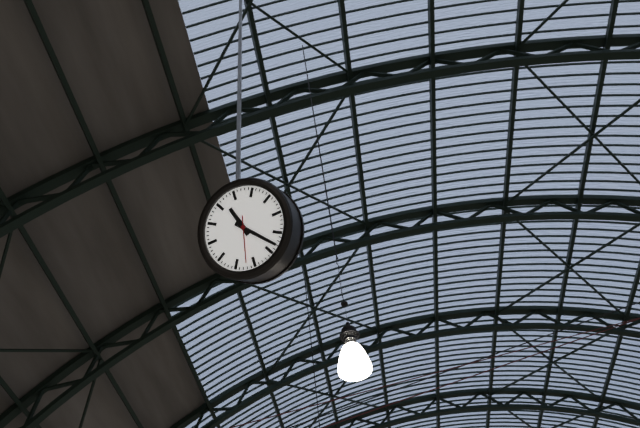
h=11 m=23
